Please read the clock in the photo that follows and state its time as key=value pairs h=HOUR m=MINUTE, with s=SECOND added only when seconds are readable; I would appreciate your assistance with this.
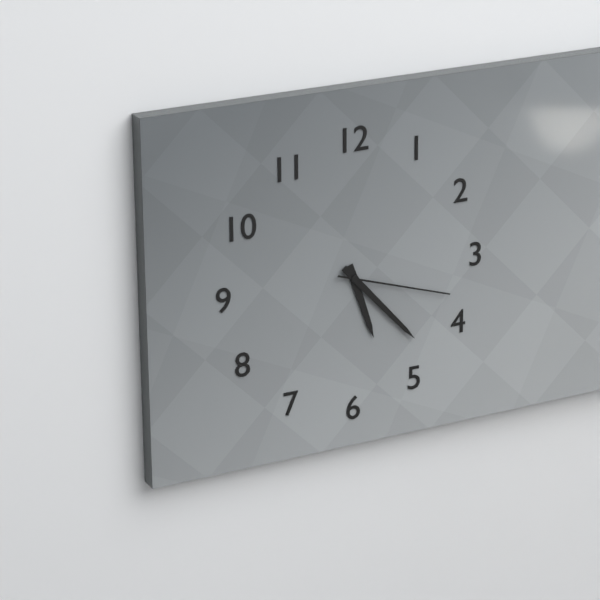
h=5 m=23 s=18
